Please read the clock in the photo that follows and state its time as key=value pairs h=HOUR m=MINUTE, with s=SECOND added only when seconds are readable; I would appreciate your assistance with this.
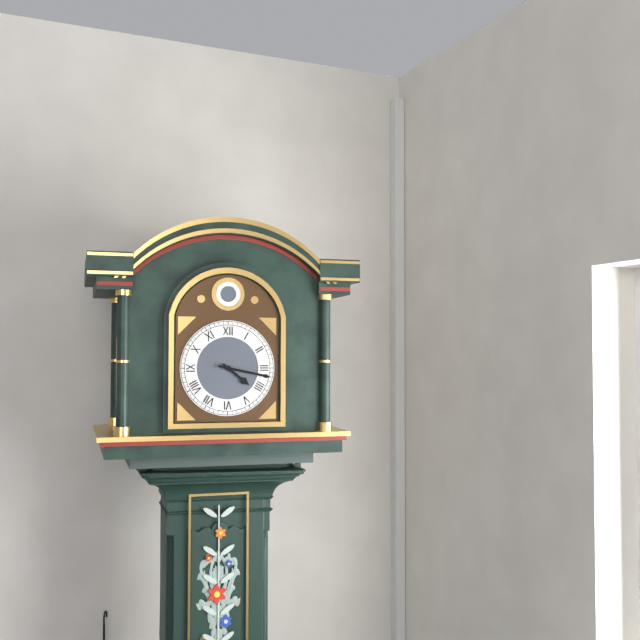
h=4 m=17
